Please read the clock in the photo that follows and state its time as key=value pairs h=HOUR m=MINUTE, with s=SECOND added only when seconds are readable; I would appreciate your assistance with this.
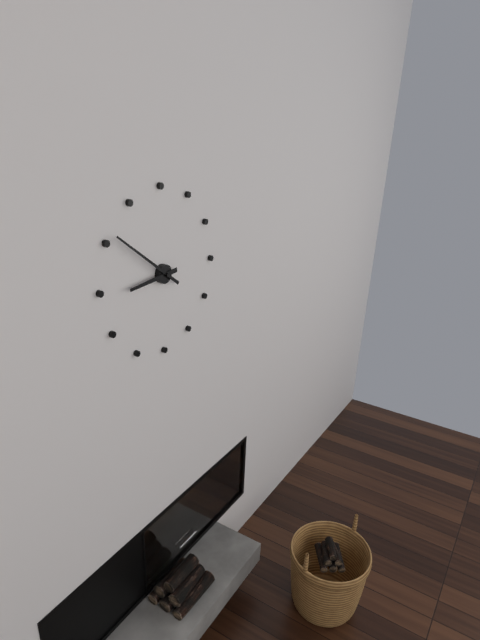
h=8 m=51
